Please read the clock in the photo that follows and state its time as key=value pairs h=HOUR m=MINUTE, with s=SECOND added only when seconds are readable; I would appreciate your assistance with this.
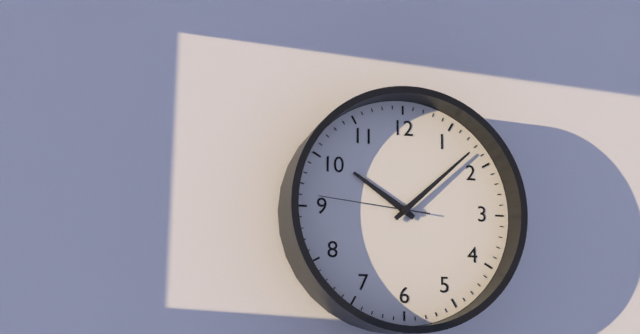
h=10 m=8 s=46
